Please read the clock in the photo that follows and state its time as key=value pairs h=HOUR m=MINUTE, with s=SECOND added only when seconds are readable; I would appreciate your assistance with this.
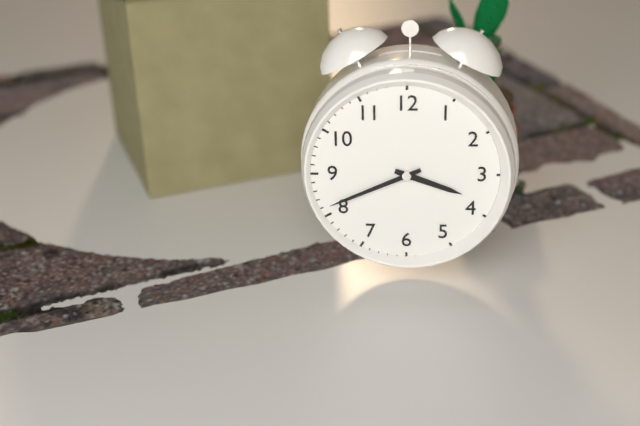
h=3 m=41
